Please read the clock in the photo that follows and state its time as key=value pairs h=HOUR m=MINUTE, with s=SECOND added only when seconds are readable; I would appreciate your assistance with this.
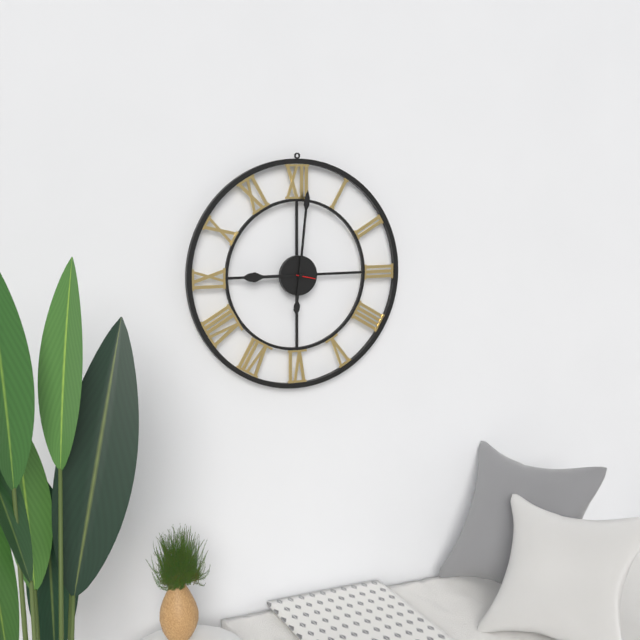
h=9 m=1
